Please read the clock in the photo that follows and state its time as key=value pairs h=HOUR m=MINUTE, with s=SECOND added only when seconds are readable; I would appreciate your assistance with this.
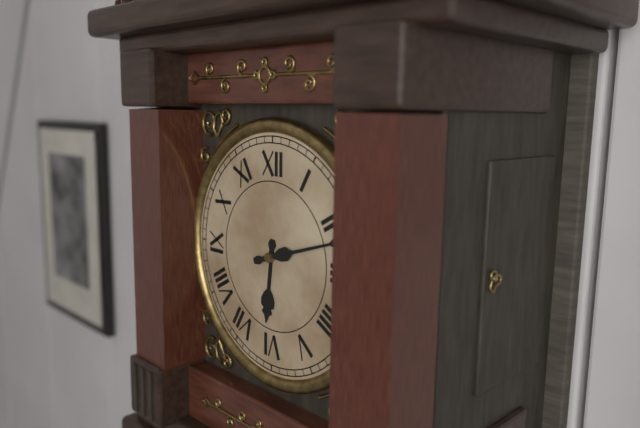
h=6 m=12
